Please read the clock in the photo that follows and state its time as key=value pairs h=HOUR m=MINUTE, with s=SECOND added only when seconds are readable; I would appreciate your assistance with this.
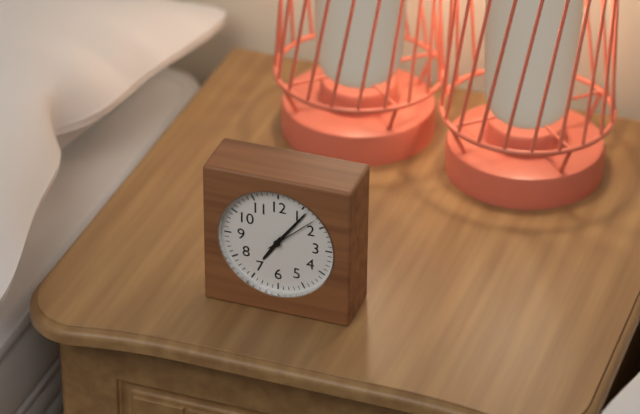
h=7 m=6 s=8
